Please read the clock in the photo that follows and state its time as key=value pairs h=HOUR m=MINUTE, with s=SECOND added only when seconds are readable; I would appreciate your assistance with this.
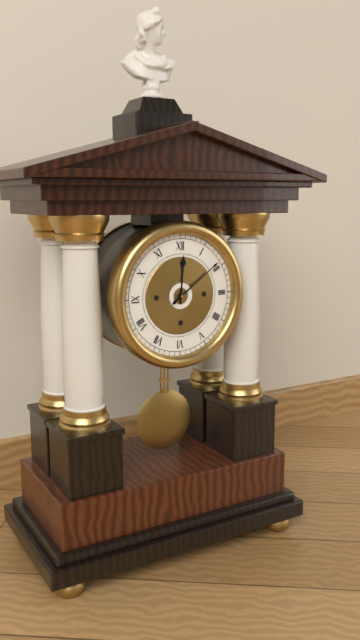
h=12 m=9
